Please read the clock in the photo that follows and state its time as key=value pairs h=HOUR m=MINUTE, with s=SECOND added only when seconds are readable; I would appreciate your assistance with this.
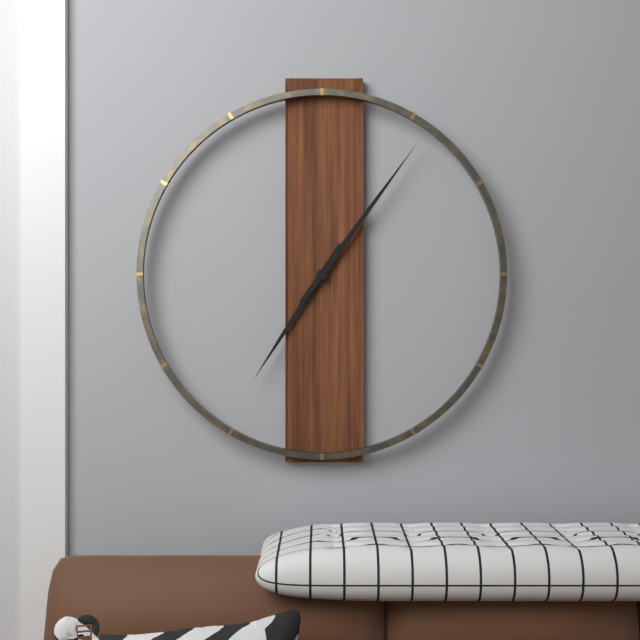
h=7 m=6
